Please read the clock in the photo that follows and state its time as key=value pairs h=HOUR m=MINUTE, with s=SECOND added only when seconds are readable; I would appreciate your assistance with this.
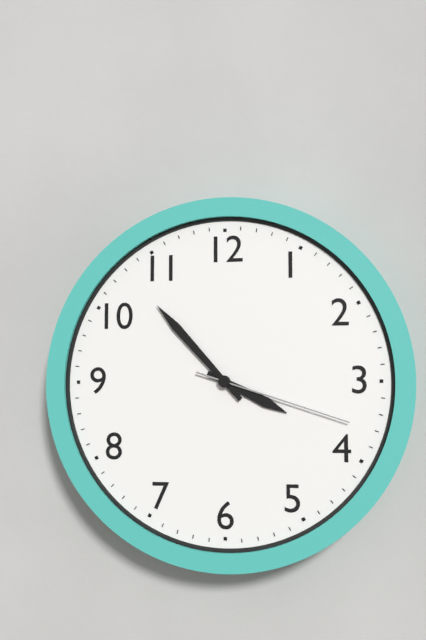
h=3 m=53 s=18
